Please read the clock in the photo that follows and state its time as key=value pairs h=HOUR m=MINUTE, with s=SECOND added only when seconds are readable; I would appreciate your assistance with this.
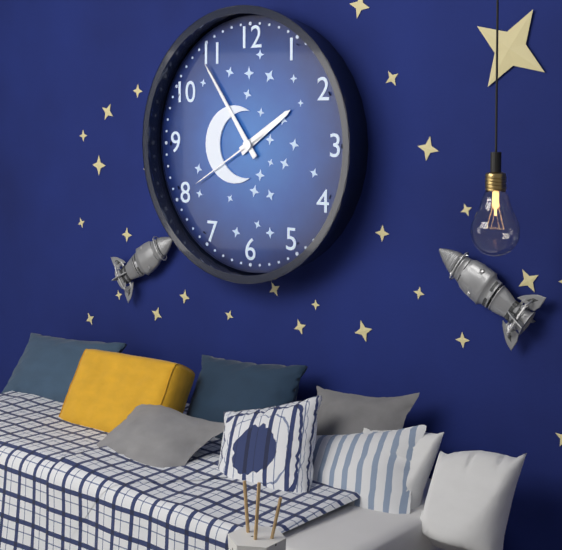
h=1 m=54 s=40
